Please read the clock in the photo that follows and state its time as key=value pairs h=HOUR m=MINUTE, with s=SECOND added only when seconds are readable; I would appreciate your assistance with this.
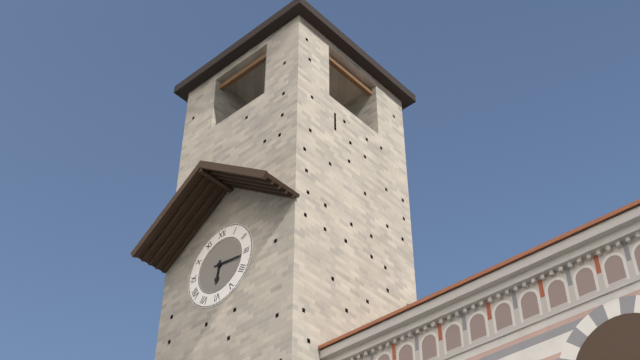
h=6 m=16
